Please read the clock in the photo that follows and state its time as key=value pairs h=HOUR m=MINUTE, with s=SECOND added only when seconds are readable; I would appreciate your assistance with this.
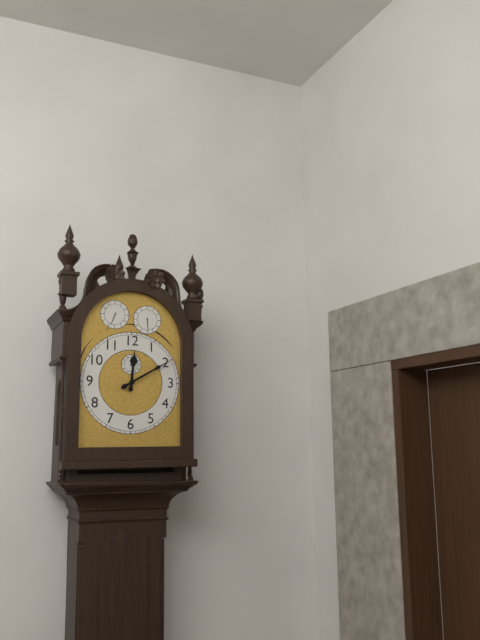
h=12 m=10
